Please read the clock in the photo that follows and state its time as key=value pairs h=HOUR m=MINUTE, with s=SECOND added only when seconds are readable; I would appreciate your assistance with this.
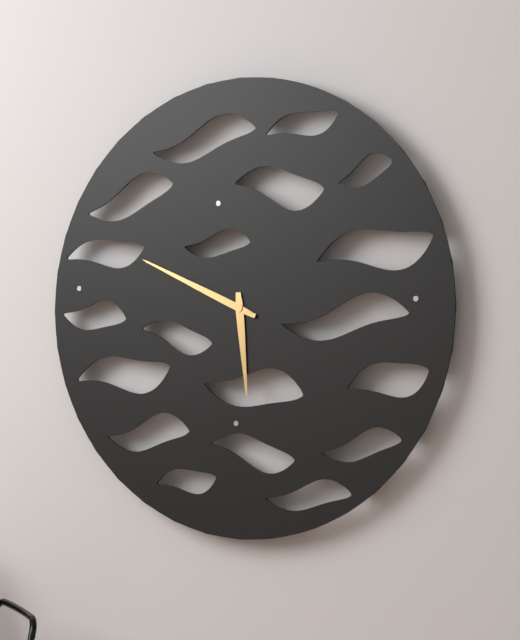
h=5 m=49
